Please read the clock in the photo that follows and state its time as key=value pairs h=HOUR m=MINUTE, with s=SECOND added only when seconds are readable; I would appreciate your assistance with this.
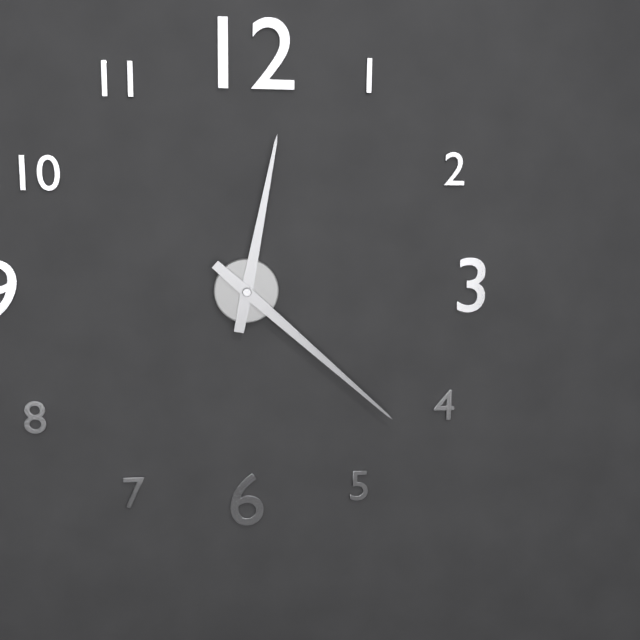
h=12 m=22
